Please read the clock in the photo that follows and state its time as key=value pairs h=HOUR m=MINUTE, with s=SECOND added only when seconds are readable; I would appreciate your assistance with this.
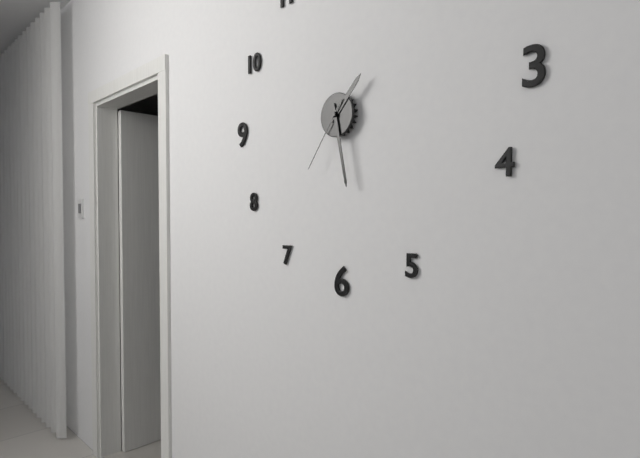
h=1 m=28 s=36
